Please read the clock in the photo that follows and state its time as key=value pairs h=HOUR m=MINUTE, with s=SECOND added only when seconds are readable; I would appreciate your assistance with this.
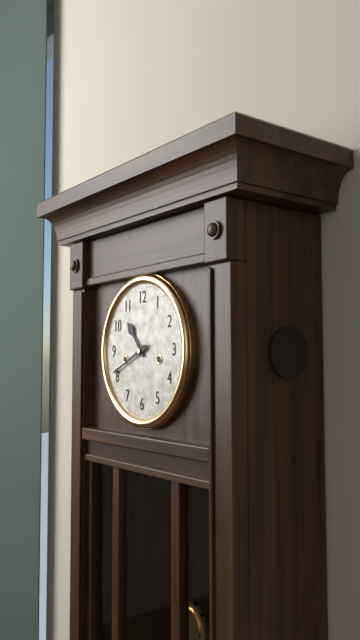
h=10 m=41
